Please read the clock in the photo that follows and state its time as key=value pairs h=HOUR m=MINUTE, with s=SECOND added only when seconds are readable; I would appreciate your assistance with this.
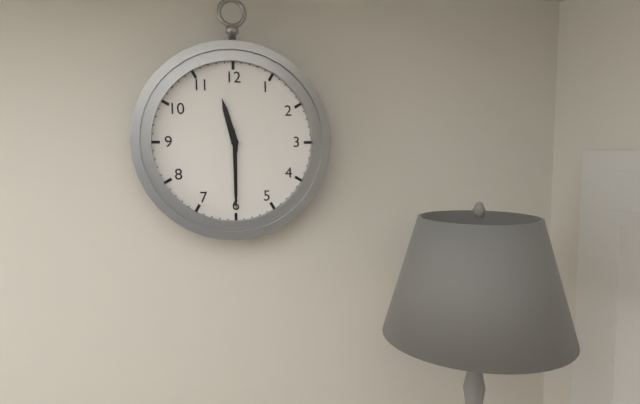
h=11 m=30
